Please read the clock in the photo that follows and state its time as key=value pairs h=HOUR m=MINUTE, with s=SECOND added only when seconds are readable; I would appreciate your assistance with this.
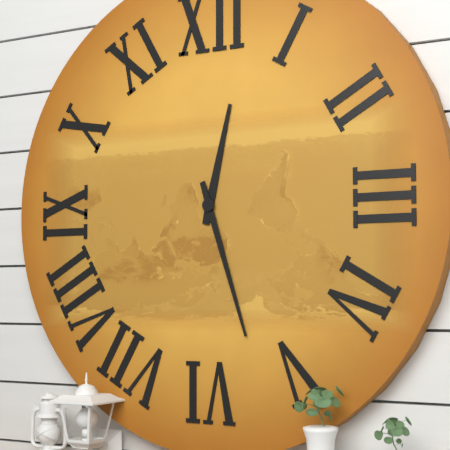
h=12 m=27
